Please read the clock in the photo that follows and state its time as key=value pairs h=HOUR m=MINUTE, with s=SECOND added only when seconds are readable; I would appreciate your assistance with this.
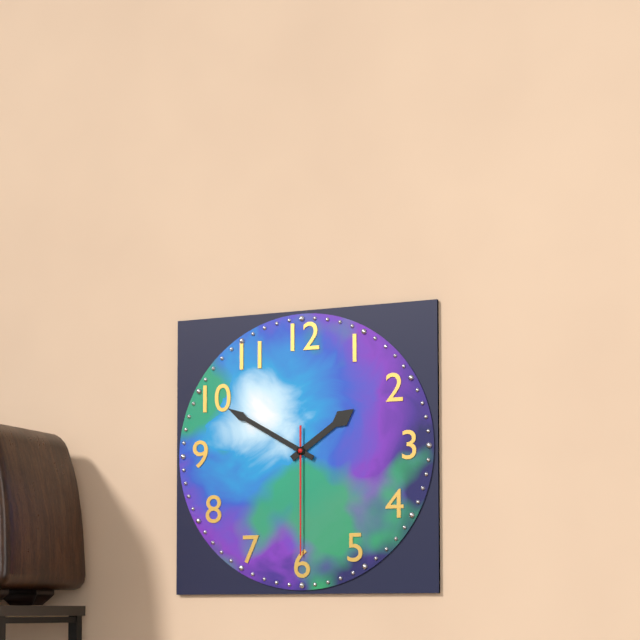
h=1 m=50 s=30
